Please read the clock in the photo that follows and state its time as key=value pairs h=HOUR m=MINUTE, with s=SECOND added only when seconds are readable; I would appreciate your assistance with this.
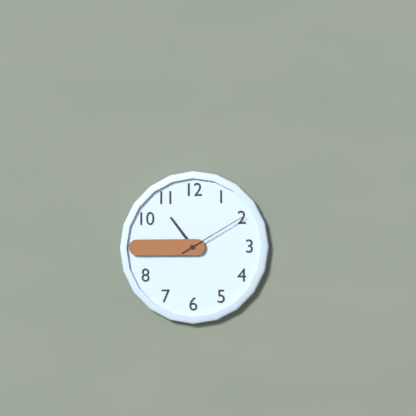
h=10 m=45 s=10
